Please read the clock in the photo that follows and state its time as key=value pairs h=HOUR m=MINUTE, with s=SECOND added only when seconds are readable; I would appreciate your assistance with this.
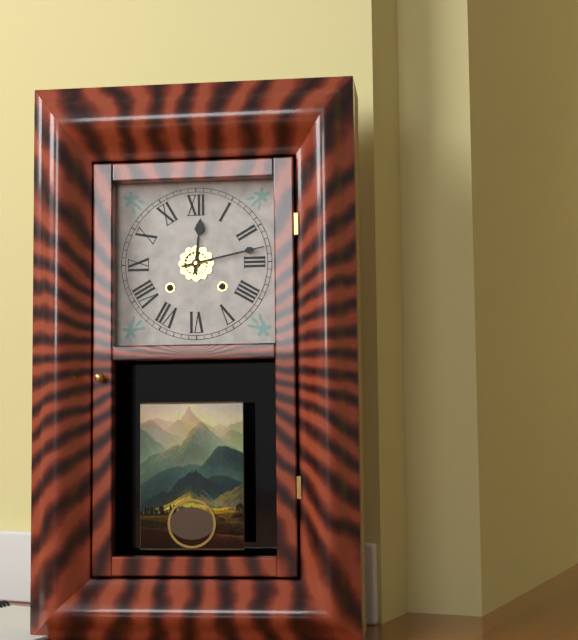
h=12 m=13
